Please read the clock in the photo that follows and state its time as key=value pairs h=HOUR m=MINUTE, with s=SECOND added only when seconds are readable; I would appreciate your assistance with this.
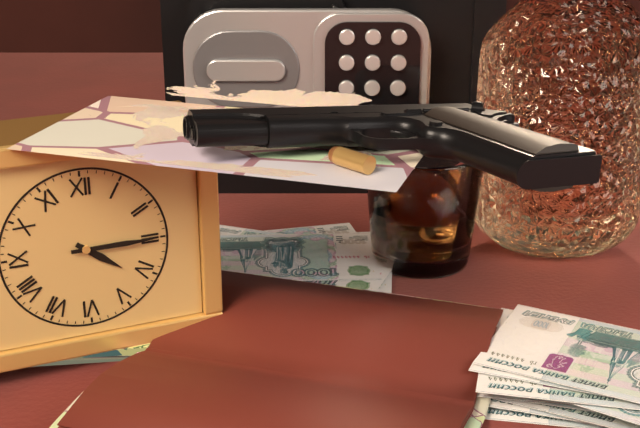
h=4 m=15
